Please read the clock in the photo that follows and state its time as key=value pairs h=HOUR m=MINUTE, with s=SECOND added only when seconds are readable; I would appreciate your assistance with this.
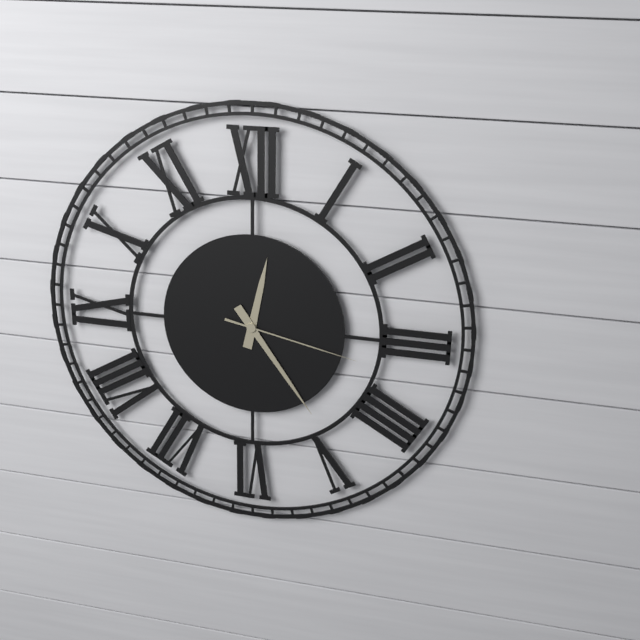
h=12 m=24 s=17
